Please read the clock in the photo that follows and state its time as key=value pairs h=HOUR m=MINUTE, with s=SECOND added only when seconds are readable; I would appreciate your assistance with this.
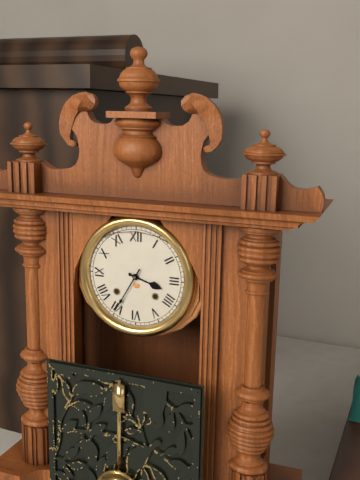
h=3 m=35
